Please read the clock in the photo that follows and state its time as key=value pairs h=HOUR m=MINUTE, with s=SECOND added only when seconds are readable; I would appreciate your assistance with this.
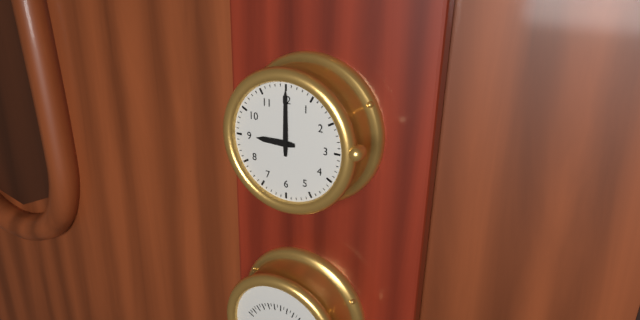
h=9 m=0
